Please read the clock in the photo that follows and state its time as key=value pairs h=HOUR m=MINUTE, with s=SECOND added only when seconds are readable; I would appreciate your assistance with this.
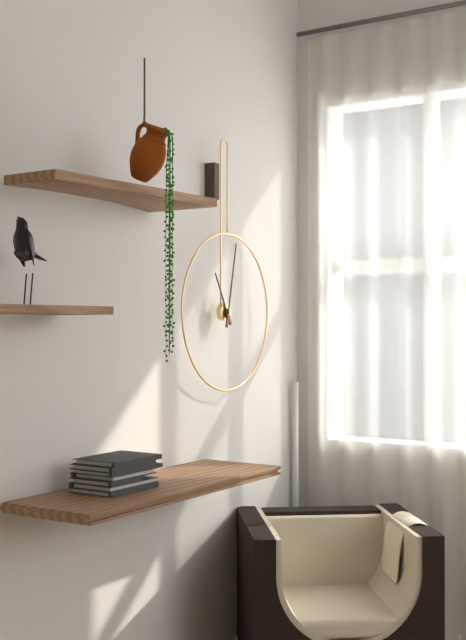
h=11 m=2
